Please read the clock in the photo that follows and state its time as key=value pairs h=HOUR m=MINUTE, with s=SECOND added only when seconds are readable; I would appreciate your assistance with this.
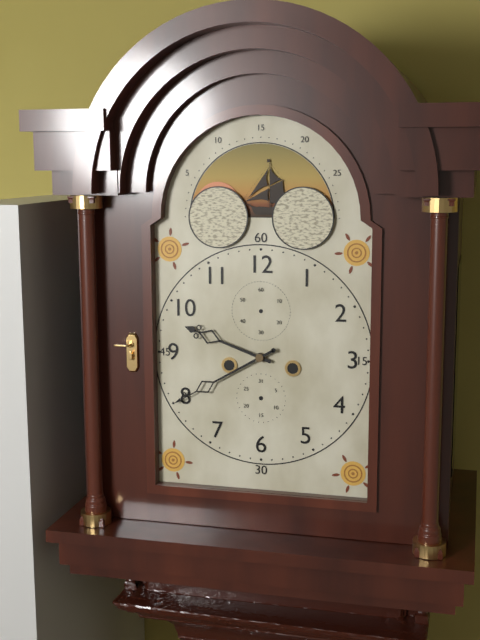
h=9 m=40
